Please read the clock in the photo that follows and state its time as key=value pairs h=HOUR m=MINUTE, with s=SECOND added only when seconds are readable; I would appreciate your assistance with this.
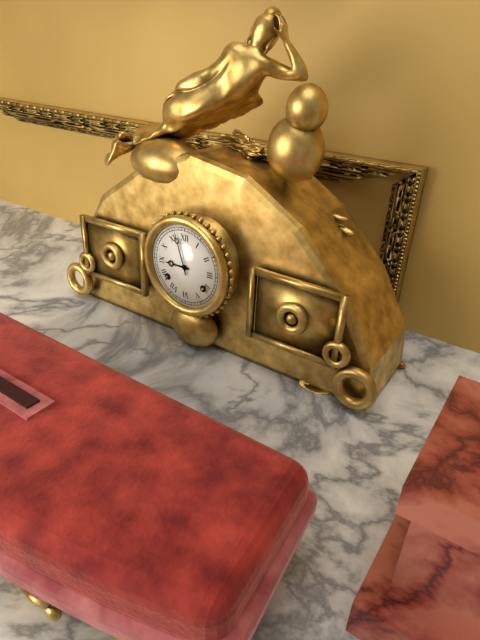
h=8 m=57
